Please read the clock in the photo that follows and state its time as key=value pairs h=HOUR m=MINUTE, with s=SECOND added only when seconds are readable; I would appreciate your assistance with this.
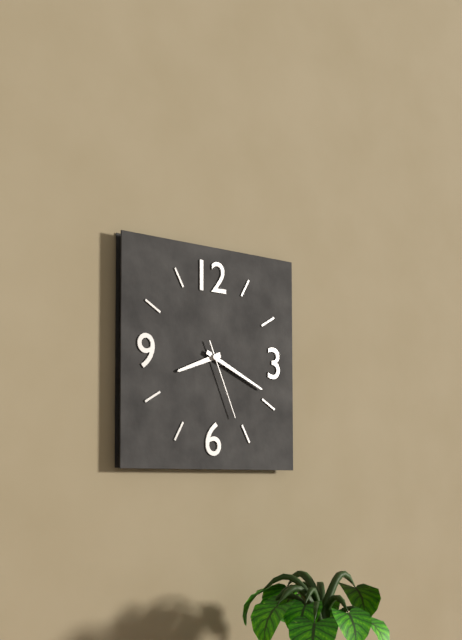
h=8 m=19 s=26
